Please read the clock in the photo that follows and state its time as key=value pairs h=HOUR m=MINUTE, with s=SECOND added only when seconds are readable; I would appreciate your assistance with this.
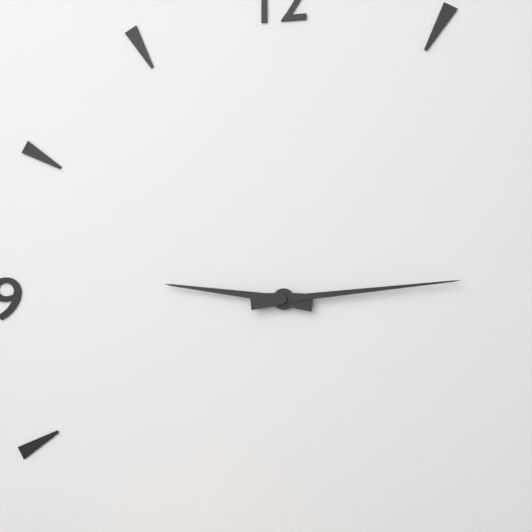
h=9 m=14
